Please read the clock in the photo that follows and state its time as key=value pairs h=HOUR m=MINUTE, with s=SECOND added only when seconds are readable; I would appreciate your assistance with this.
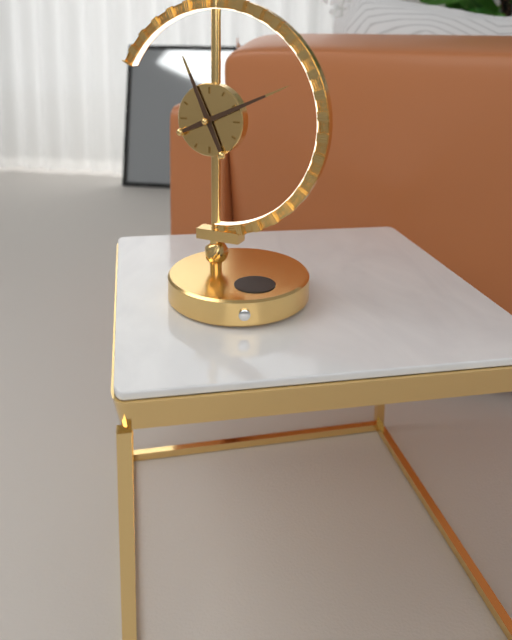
h=11 m=11
